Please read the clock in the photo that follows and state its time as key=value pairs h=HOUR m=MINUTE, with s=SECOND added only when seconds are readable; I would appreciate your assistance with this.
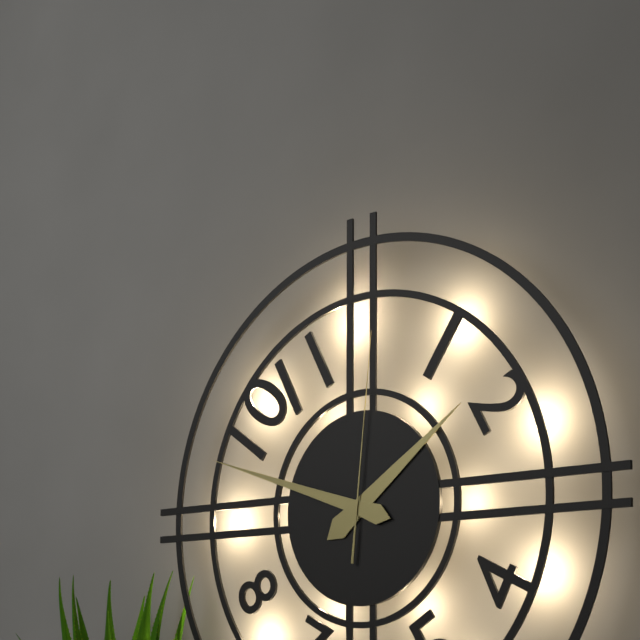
h=1 m=48 s=1
